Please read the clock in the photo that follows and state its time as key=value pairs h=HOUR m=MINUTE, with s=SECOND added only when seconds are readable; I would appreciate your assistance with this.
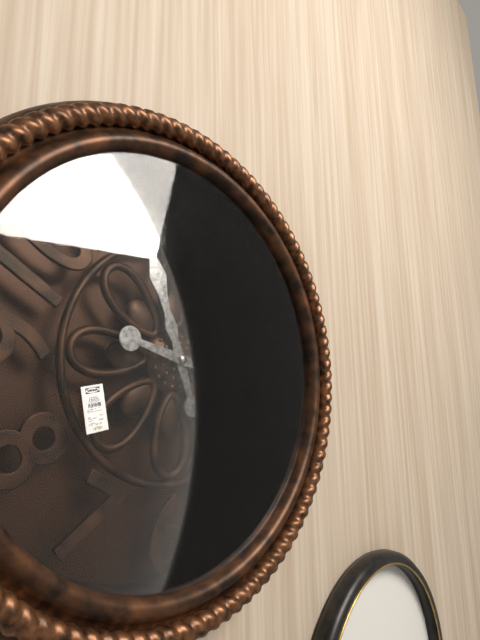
h=11 m=17
